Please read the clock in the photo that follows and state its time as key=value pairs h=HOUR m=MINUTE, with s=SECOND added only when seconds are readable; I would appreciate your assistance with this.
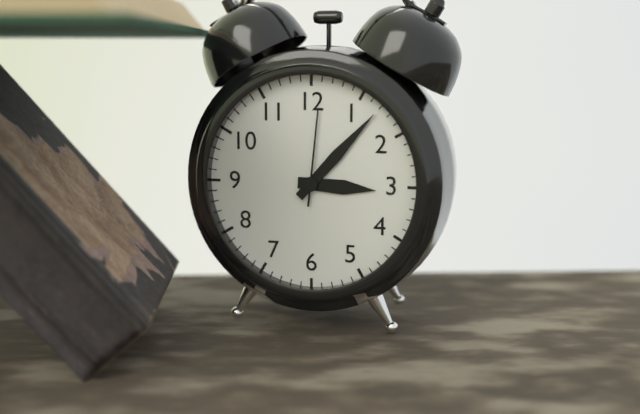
h=3 m=7 s=1
